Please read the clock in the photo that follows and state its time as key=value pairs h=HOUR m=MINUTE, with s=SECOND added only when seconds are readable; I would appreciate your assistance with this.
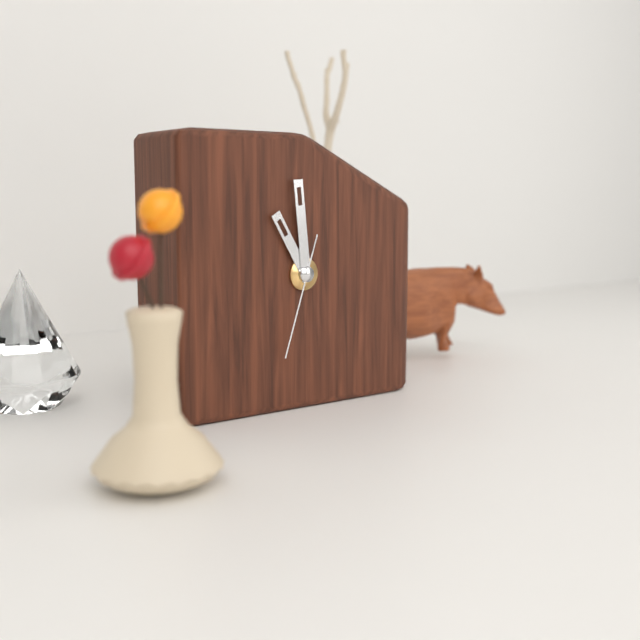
h=10 m=59 s=33
